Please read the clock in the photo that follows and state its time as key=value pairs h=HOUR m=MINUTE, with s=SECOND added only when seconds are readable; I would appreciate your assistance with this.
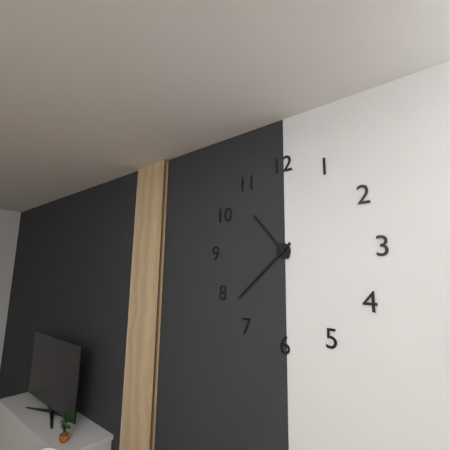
h=10 m=38
